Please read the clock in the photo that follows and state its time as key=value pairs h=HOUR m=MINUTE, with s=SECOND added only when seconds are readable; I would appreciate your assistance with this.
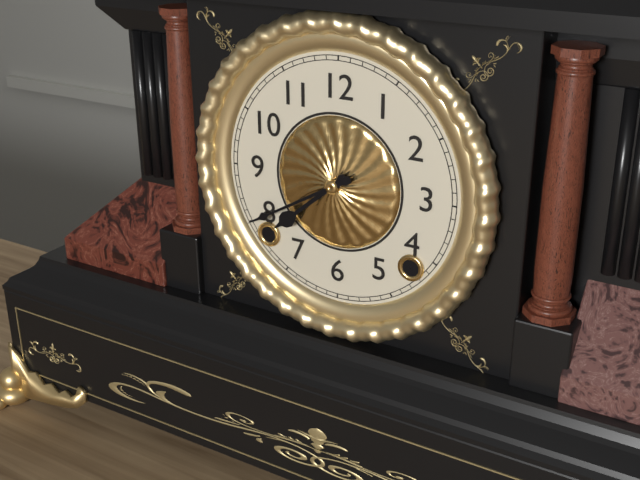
h=7 m=40
